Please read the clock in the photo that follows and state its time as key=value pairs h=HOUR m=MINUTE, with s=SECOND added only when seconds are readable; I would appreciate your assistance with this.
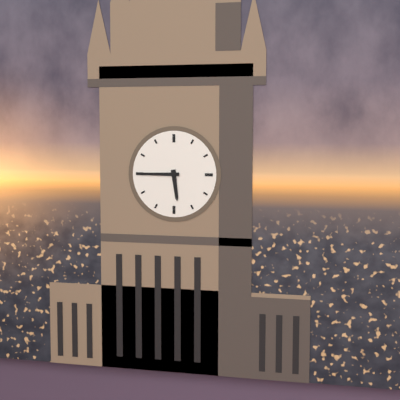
h=5 m=45
